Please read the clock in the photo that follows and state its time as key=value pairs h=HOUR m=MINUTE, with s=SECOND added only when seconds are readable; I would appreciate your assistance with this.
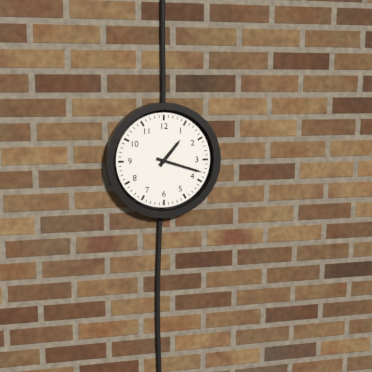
h=1 m=18
